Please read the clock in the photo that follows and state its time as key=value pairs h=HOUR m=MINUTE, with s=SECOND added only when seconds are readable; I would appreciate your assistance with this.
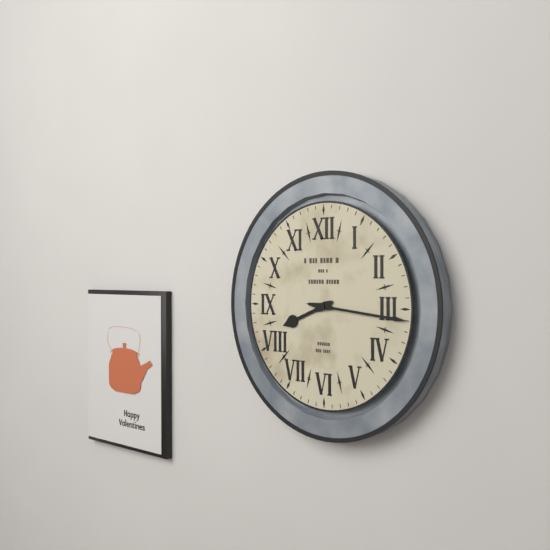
h=8 m=16
